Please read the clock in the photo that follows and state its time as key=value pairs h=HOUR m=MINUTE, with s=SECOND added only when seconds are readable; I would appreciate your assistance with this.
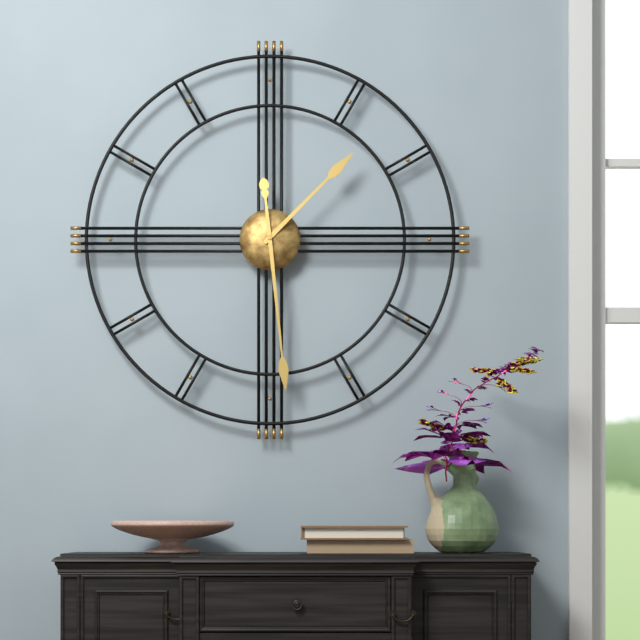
h=1 m=29
